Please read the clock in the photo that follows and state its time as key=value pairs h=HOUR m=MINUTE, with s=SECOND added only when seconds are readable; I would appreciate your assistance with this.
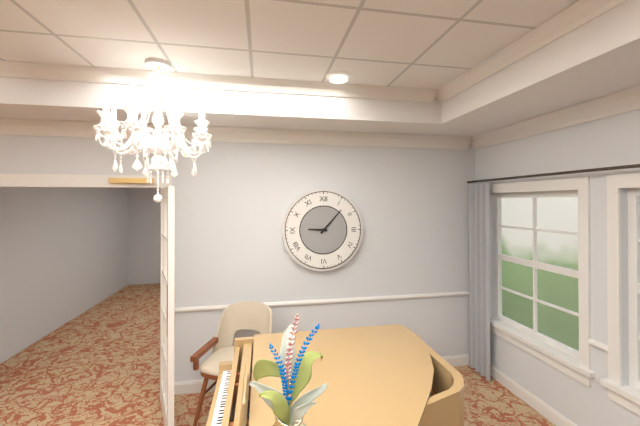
h=9 m=7
